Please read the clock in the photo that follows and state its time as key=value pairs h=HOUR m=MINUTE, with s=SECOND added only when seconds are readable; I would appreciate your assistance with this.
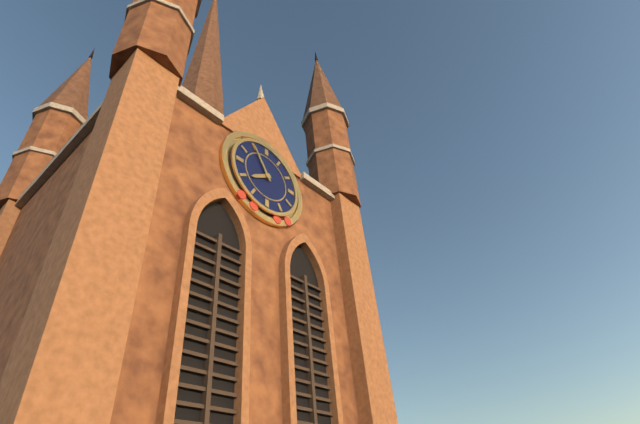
h=7 m=55
